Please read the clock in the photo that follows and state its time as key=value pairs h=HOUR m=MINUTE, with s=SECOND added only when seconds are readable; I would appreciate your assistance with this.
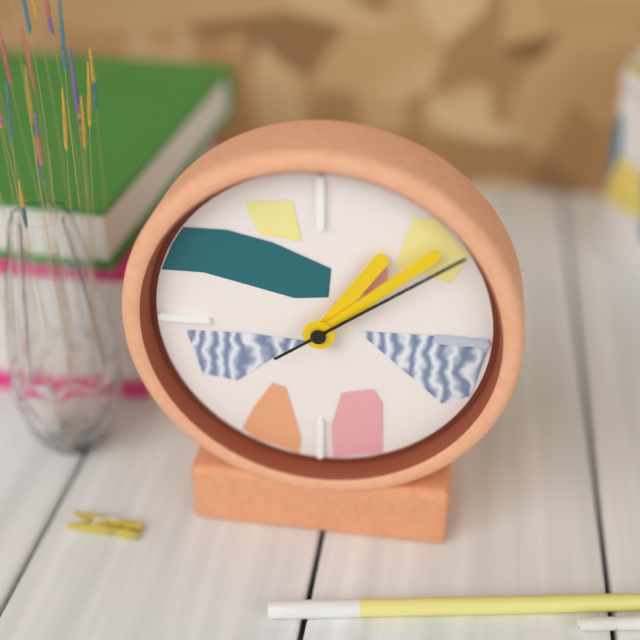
h=1 m=8 s=9
